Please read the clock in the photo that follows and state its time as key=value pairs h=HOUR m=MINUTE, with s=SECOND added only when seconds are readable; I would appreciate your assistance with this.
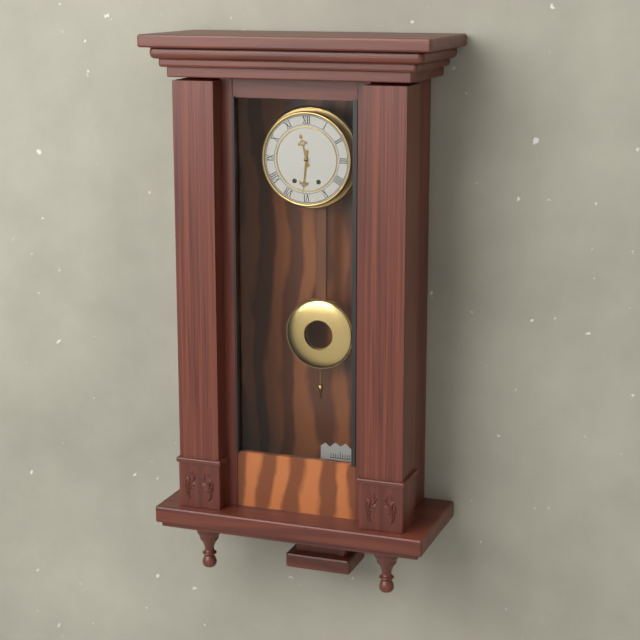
h=11 m=31
